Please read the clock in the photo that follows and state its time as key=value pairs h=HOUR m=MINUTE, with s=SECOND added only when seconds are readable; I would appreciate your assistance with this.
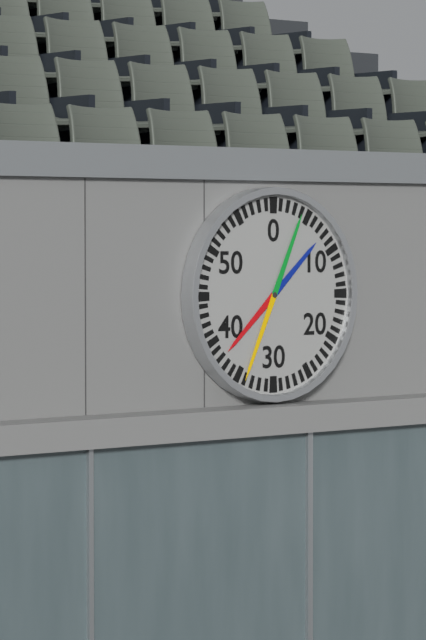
h=7 m=34
